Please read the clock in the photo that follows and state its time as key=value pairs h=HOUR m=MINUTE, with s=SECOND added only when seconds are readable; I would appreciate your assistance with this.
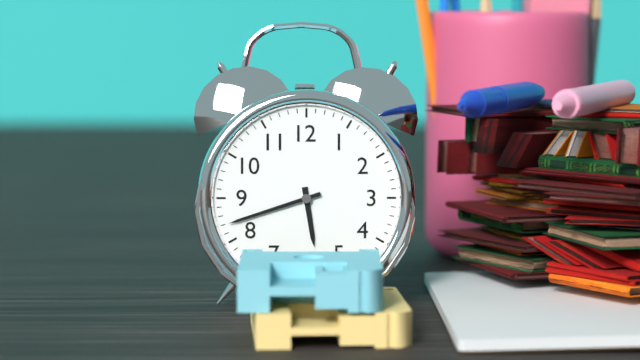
h=5 m=42
